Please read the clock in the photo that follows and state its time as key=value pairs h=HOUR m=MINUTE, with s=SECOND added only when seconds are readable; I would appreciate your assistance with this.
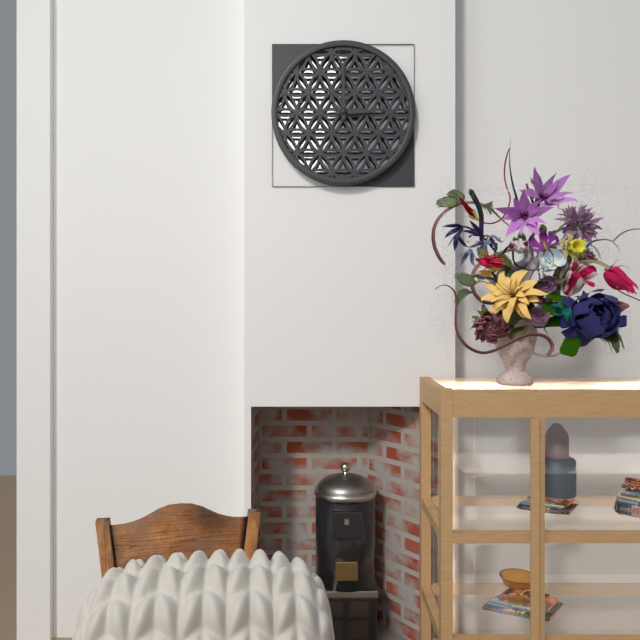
h=3 m=0
